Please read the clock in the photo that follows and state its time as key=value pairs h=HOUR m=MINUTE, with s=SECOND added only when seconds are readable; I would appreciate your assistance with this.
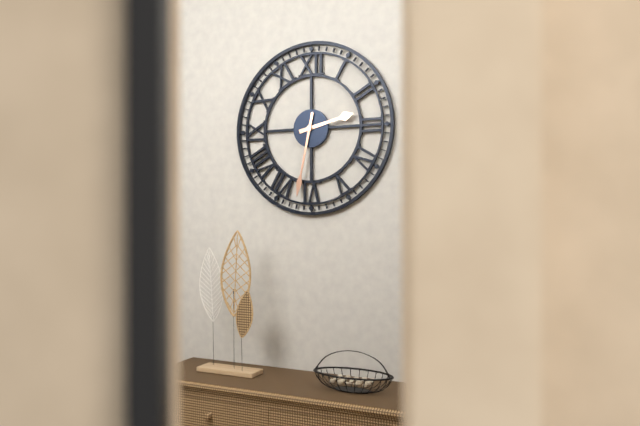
h=2 m=32
